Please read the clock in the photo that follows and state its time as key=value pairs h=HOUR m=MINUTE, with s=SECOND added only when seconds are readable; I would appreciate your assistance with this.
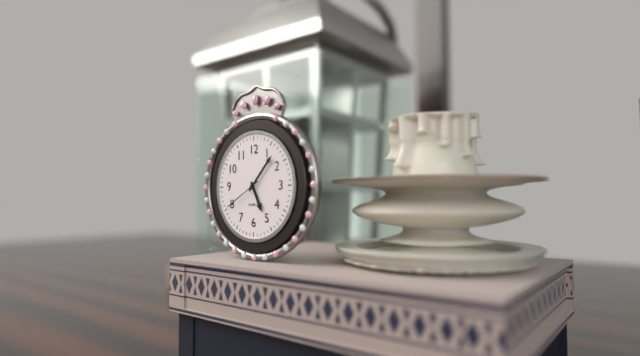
h=5 m=7
